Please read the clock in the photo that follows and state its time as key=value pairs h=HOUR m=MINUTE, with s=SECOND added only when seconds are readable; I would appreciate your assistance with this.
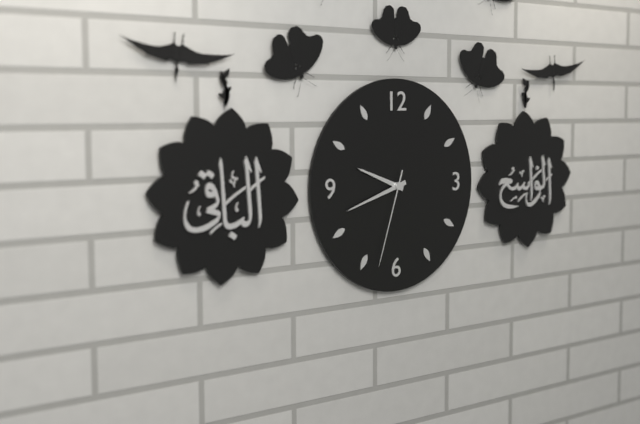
h=9 m=42 s=33
